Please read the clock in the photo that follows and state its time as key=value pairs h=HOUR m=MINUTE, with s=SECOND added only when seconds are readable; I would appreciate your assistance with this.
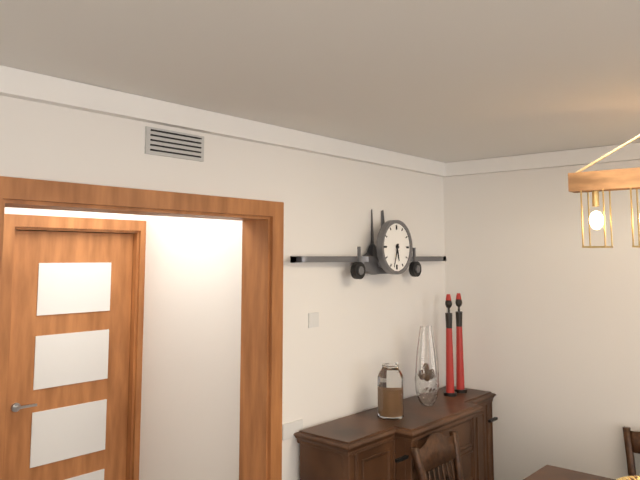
h=5 m=33
